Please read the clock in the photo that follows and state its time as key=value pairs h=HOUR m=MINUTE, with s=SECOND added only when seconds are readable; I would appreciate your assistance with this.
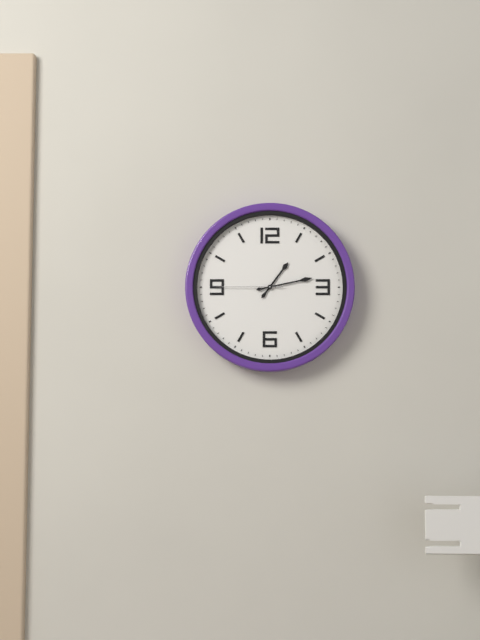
h=1 m=13 s=45
